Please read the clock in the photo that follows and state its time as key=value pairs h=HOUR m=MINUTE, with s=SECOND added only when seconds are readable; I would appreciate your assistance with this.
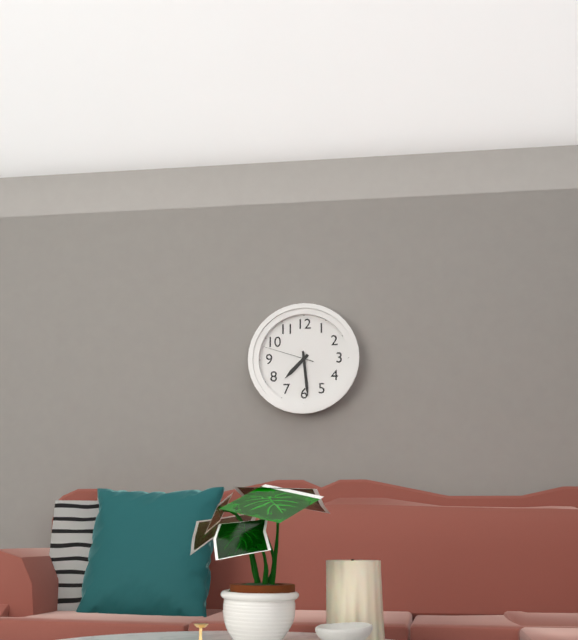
h=7 m=29 s=48
